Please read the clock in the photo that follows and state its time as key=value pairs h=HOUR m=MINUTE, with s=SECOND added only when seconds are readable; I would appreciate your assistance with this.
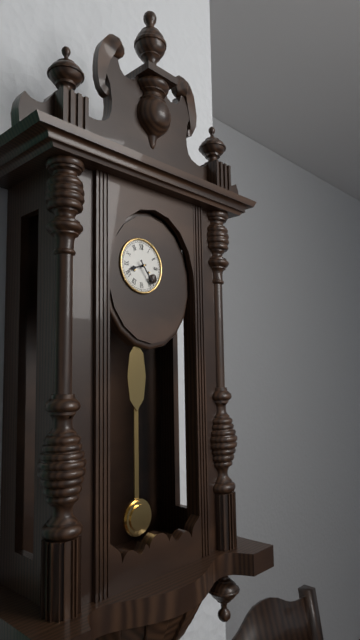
h=8 m=24
